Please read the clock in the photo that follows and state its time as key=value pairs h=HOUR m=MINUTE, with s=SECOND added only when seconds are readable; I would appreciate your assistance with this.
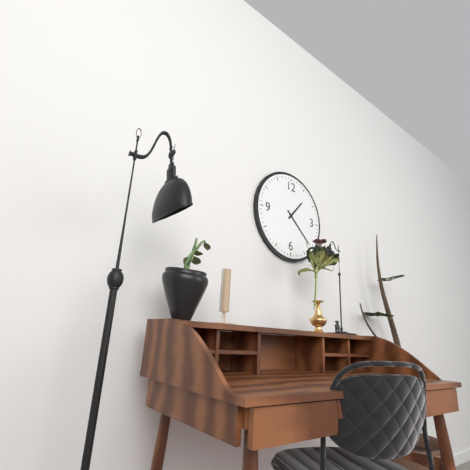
h=1 m=22
